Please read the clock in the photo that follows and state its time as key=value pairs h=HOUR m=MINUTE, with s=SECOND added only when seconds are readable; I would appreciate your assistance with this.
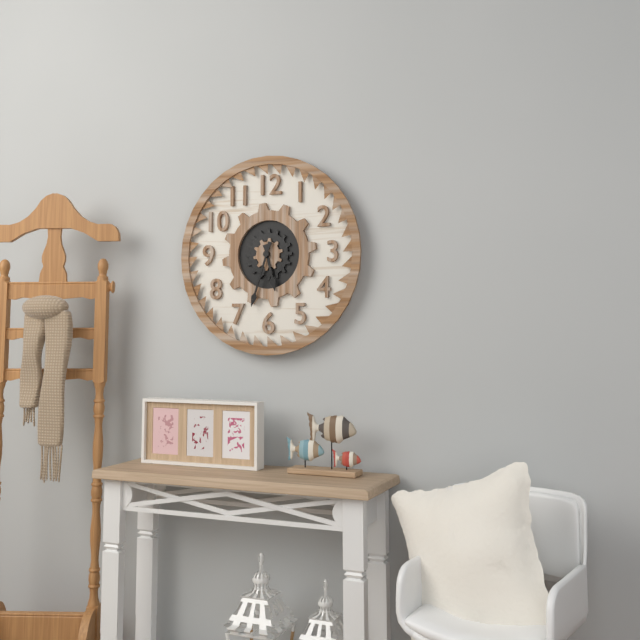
h=5 m=33
